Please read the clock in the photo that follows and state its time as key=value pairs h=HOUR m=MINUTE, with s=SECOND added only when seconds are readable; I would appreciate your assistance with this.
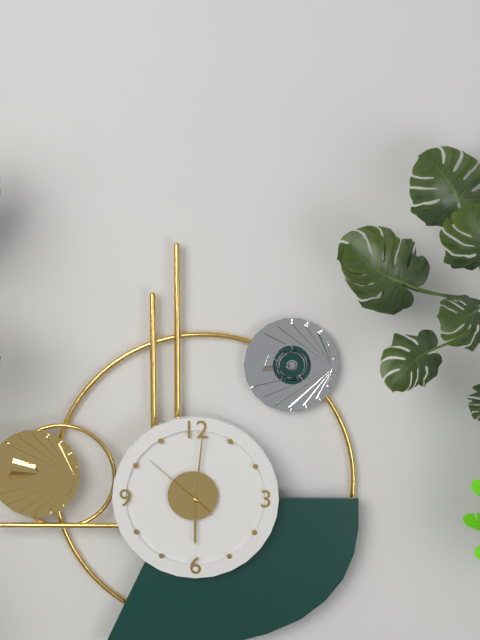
h=6 m=1 s=52
